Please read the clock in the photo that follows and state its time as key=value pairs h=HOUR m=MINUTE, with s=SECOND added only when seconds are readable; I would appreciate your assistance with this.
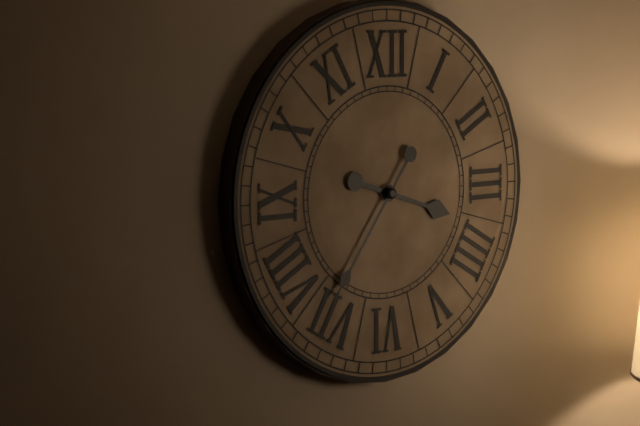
h=3 m=36
